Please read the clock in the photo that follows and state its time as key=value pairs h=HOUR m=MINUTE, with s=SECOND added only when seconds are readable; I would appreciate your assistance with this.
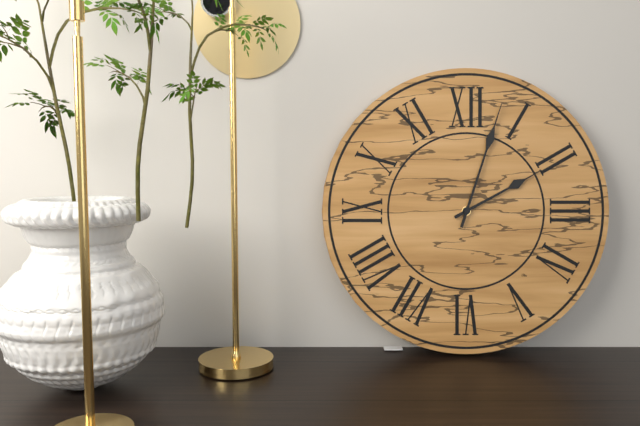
h=2 m=3
